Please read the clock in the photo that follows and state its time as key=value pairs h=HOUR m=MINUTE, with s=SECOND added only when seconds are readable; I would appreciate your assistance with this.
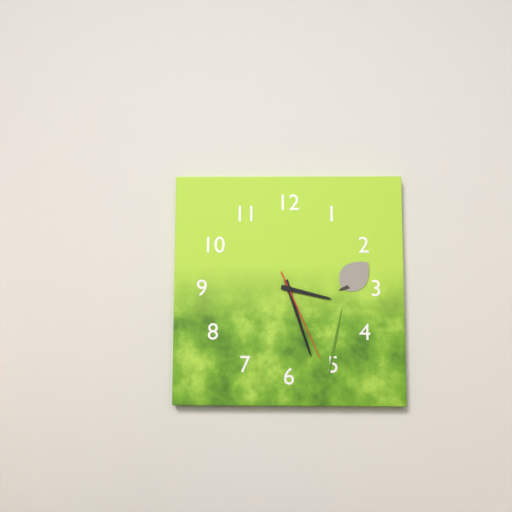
h=3 m=27 s=26
